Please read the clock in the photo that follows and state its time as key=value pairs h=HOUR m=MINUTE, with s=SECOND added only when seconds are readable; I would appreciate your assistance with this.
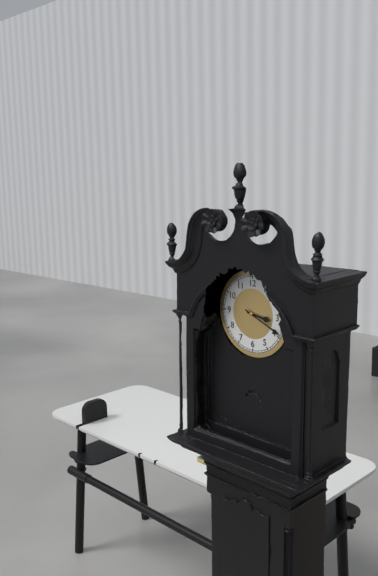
h=3 m=19
